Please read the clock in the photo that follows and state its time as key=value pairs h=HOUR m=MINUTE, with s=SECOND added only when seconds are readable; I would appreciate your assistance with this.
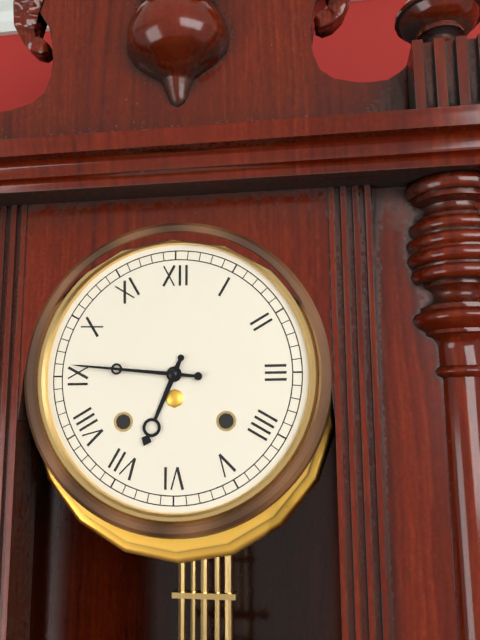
h=6 m=46
